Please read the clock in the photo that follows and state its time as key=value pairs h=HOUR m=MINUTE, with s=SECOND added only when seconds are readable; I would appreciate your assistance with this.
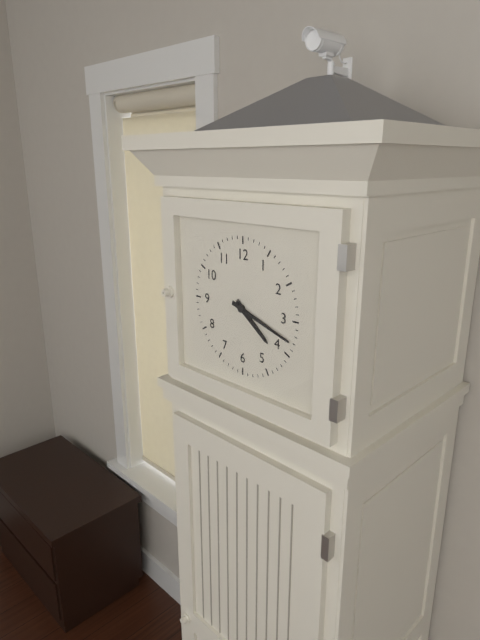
h=4 m=18
